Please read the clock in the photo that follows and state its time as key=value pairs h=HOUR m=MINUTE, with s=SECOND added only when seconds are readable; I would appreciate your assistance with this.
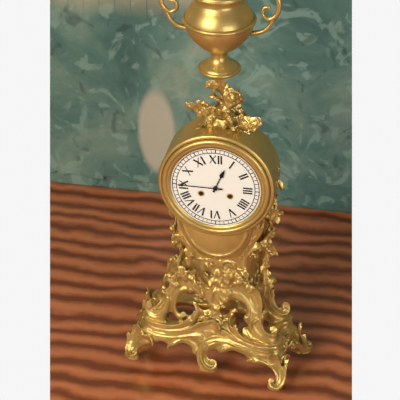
h=12 m=45
